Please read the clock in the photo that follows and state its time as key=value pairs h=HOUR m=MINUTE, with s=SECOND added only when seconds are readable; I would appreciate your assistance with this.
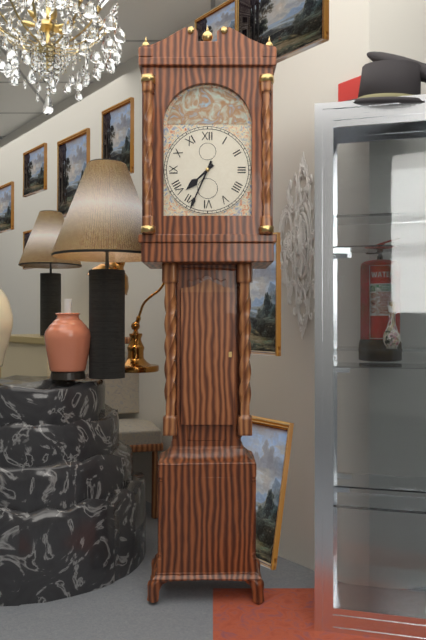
h=7 m=34
